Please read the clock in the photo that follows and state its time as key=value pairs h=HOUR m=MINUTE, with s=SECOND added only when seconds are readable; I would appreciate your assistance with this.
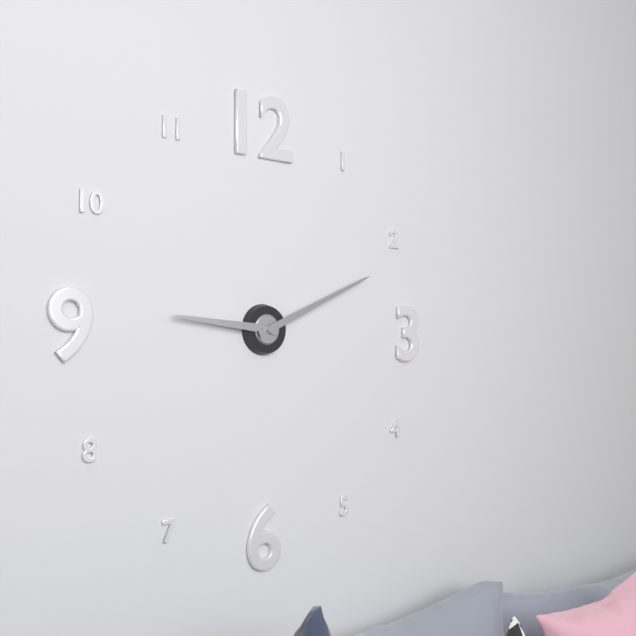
h=9 m=11
